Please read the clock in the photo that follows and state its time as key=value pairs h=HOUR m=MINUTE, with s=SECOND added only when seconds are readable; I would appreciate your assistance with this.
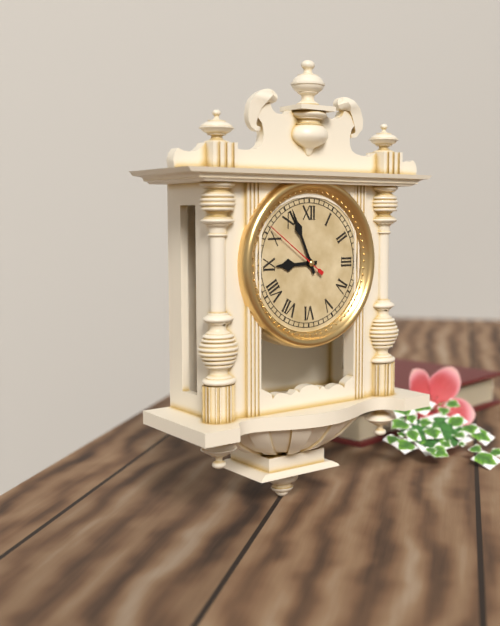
h=8 m=56 s=51
